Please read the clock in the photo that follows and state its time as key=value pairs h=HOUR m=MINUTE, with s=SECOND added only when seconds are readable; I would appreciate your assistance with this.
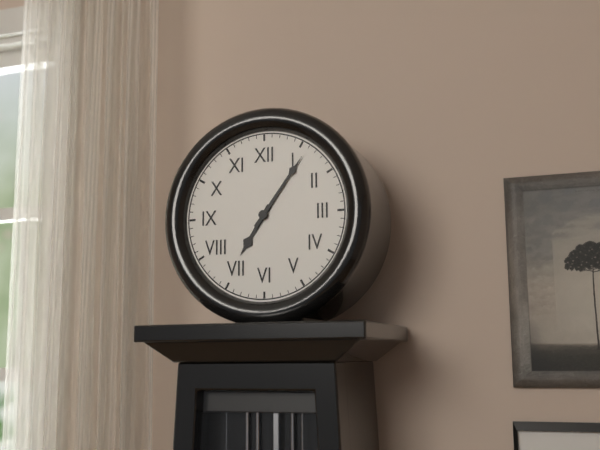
h=7 m=6
